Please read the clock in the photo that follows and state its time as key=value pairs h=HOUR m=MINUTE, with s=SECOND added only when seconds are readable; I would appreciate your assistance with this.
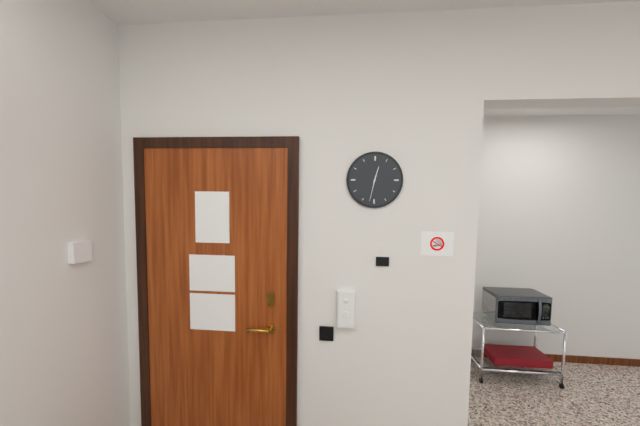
h=12 m=32
